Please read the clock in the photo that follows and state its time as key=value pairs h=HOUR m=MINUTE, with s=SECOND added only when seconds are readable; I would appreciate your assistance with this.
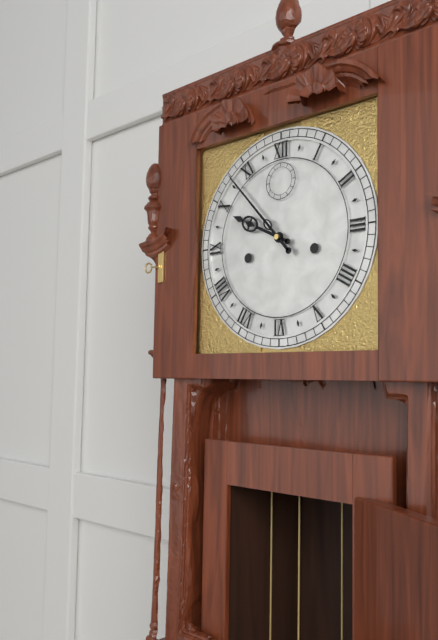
h=9 m=53
